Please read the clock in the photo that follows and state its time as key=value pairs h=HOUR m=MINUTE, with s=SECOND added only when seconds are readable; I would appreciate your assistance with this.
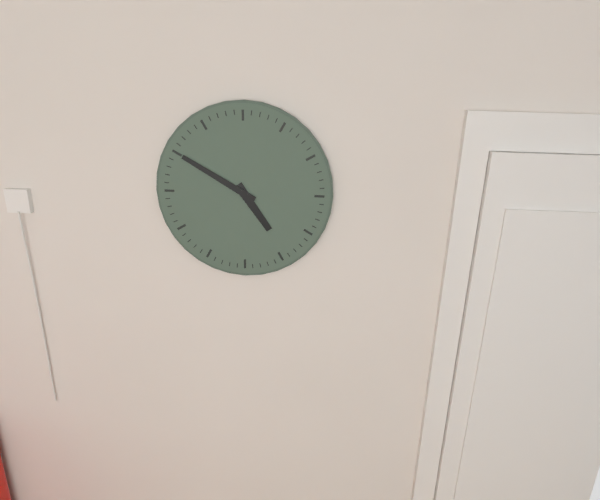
h=4 m=50
